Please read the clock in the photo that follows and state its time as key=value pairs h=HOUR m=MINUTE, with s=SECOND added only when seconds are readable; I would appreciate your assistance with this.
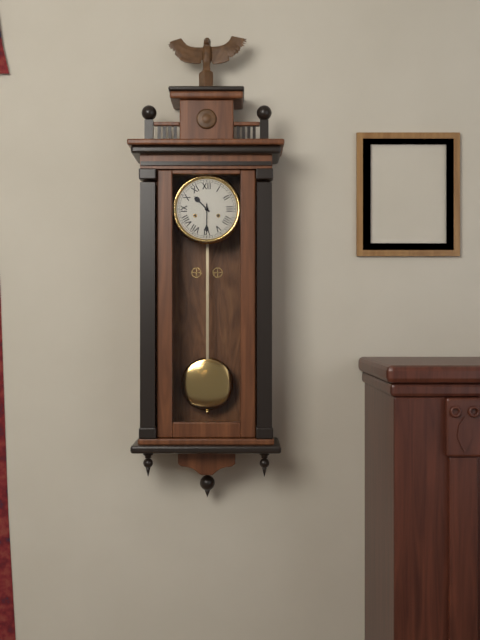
h=10 m=30
